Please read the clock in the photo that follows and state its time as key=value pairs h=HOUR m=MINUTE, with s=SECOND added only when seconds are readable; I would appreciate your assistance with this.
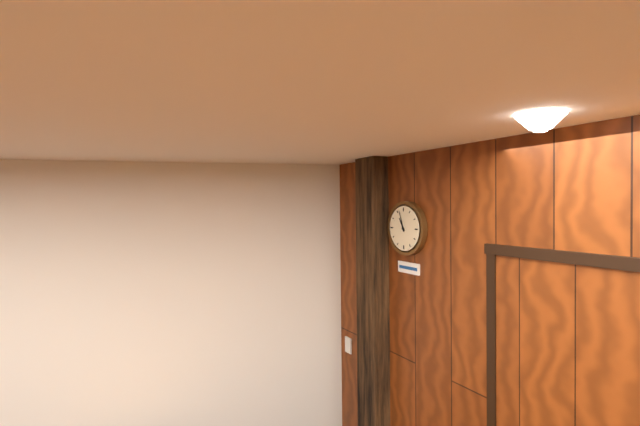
h=10 m=57
